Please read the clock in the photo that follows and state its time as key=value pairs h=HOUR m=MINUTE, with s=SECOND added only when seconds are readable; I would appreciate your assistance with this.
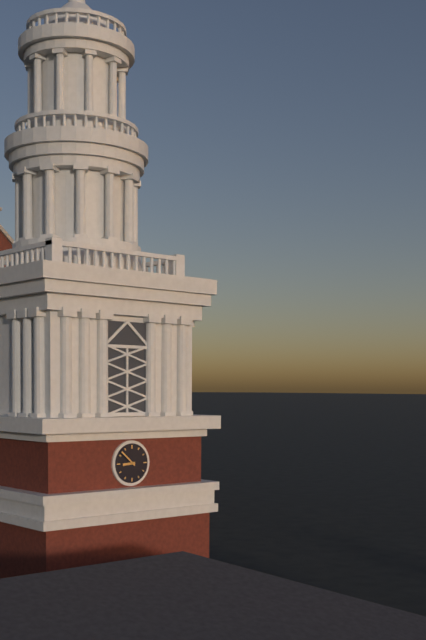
h=8 m=52
